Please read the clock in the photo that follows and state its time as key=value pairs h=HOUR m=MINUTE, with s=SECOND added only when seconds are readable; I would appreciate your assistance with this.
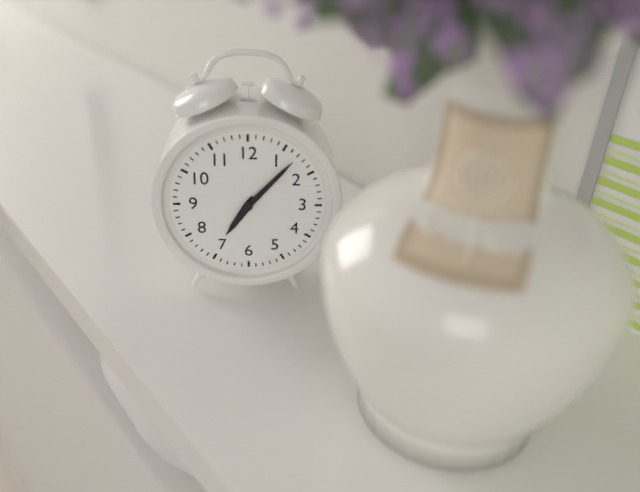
h=7 m=7
